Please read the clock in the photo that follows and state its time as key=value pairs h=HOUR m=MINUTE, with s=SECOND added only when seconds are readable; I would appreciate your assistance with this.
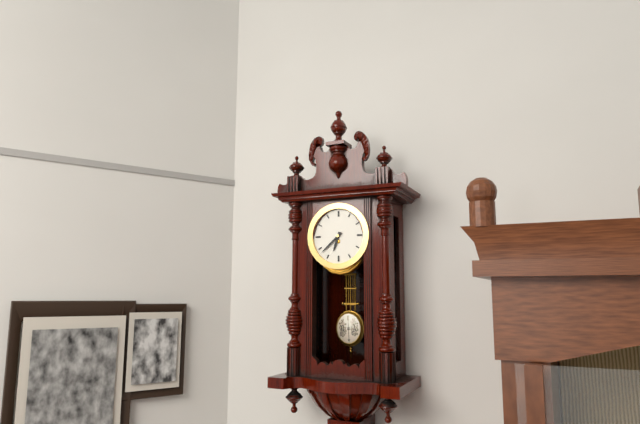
h=6 m=38
